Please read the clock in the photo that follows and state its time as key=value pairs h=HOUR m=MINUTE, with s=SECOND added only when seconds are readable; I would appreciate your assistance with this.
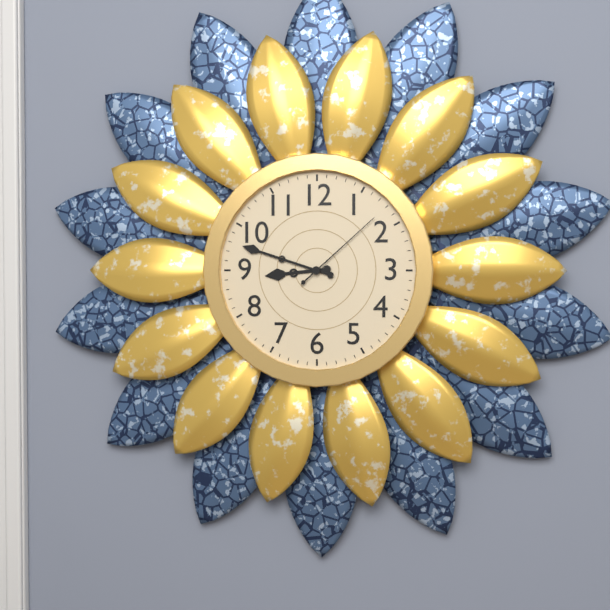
h=8 m=48 s=8
